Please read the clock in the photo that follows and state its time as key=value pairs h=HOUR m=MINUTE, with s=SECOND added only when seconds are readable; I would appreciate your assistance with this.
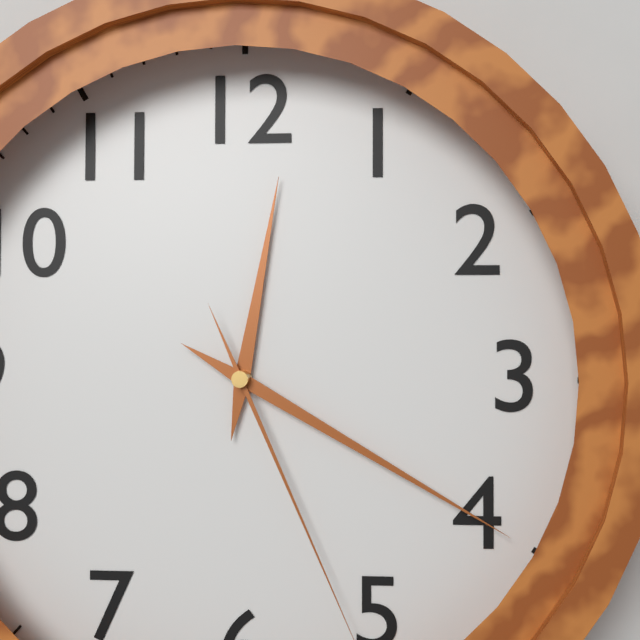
h=12 m=20
